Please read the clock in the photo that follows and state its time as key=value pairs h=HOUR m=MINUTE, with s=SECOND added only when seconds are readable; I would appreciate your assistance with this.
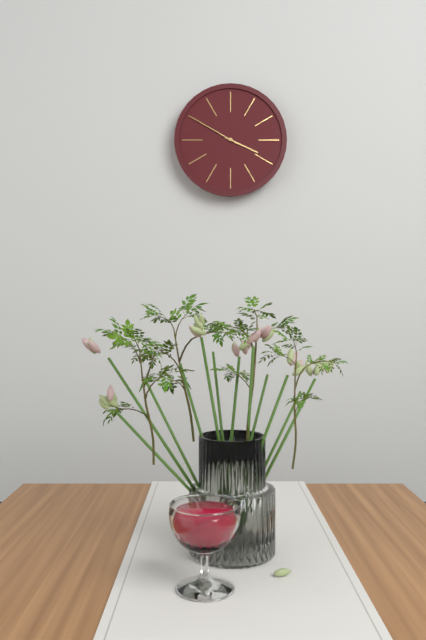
h=3 m=50
